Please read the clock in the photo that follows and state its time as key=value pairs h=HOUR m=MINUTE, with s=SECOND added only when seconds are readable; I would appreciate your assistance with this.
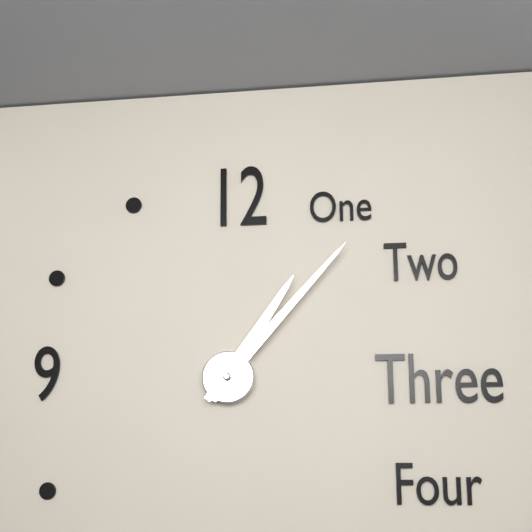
h=1 m=7
